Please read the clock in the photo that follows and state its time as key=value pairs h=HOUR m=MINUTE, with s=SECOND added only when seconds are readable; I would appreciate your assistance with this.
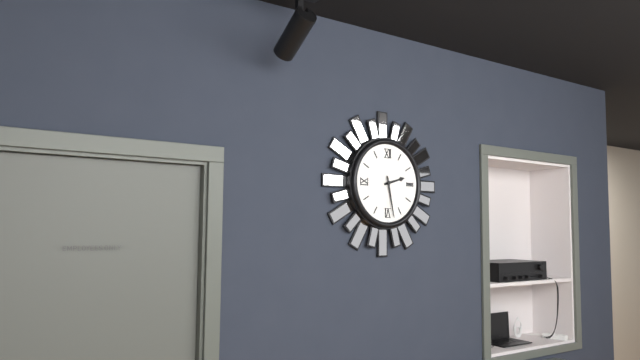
h=2 m=28
